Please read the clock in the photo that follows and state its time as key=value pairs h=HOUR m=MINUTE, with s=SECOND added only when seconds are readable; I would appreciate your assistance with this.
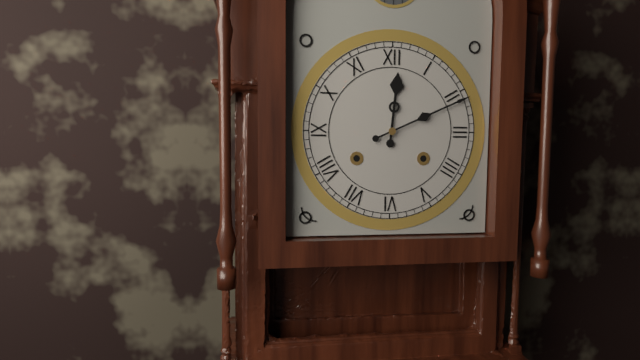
h=12 m=11
